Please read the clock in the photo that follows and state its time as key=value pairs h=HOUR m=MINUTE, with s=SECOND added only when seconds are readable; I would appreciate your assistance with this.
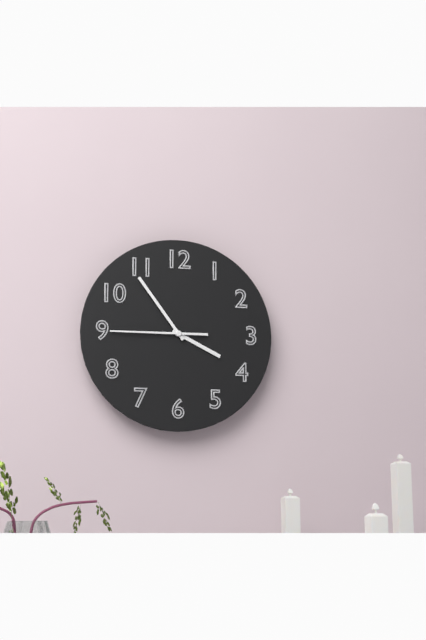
h=3 m=54 s=45
